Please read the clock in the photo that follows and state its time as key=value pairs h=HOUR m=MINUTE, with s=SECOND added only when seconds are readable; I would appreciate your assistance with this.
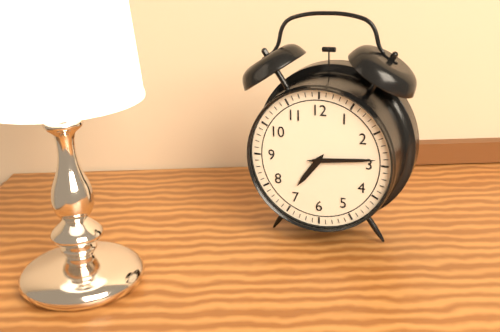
h=7 m=14
